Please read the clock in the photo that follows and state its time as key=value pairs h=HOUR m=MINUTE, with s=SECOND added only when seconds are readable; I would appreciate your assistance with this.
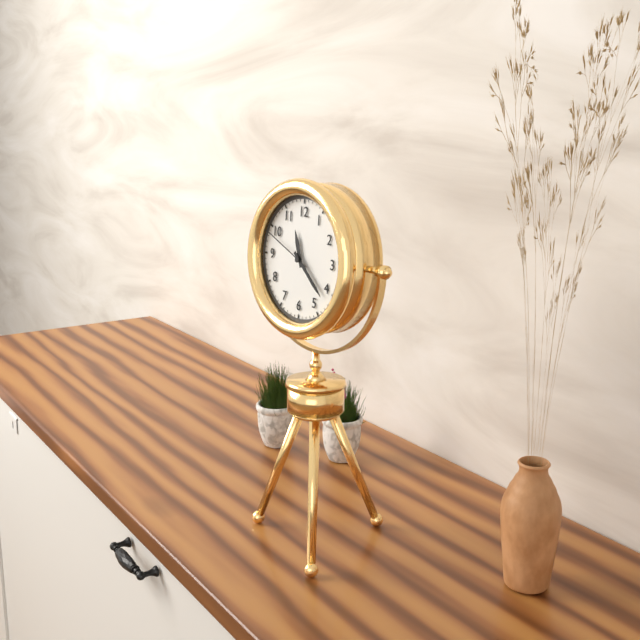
h=11 m=22 s=49
